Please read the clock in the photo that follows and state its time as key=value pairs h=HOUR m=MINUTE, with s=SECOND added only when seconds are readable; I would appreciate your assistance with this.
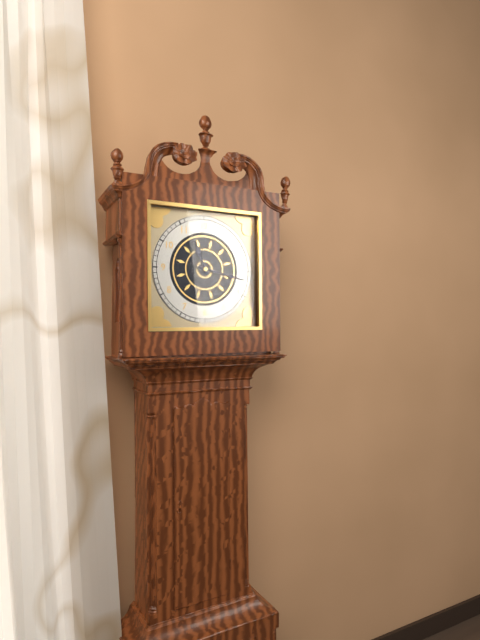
h=11 m=17
